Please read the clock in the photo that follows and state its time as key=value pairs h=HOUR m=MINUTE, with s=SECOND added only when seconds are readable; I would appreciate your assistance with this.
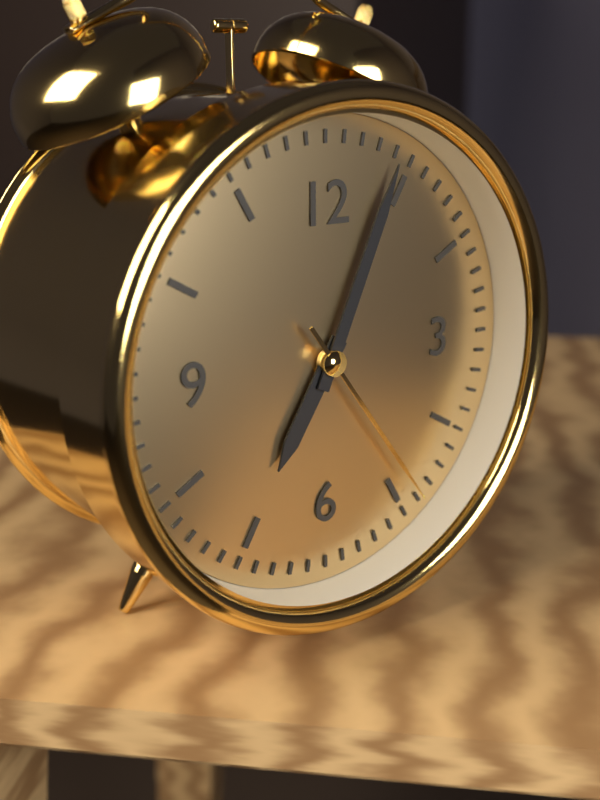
h=7 m=4 s=24
